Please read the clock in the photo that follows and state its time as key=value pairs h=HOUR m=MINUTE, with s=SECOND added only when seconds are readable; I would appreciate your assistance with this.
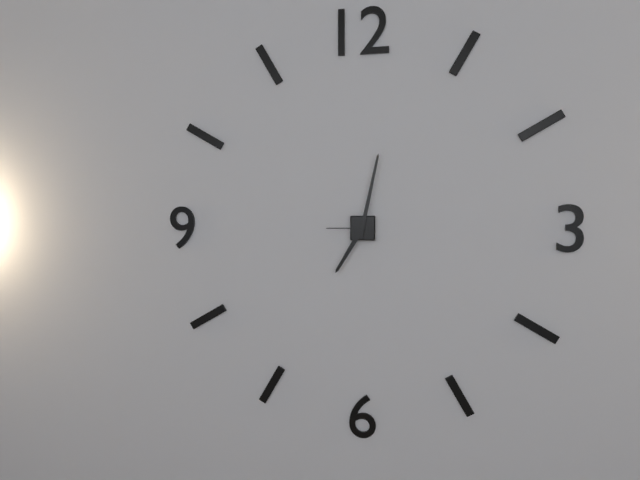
h=7 m=2
